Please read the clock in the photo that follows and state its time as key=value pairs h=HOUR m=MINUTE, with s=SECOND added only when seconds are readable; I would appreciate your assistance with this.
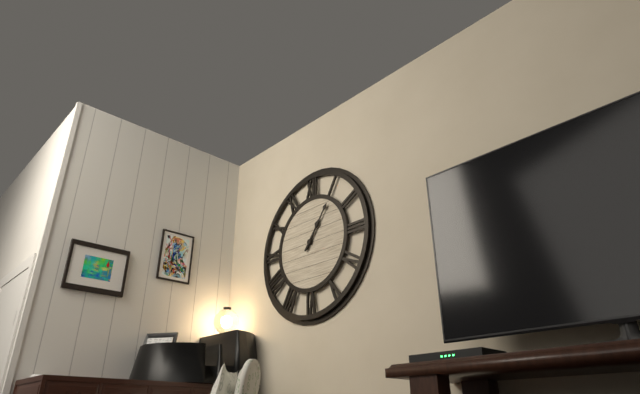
h=1 m=6
